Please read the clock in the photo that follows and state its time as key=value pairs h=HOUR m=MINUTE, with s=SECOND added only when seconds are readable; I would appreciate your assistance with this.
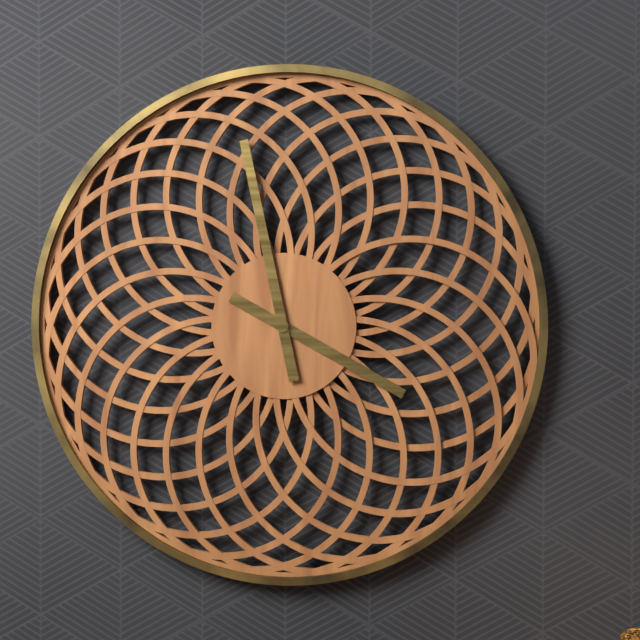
h=3 m=58
